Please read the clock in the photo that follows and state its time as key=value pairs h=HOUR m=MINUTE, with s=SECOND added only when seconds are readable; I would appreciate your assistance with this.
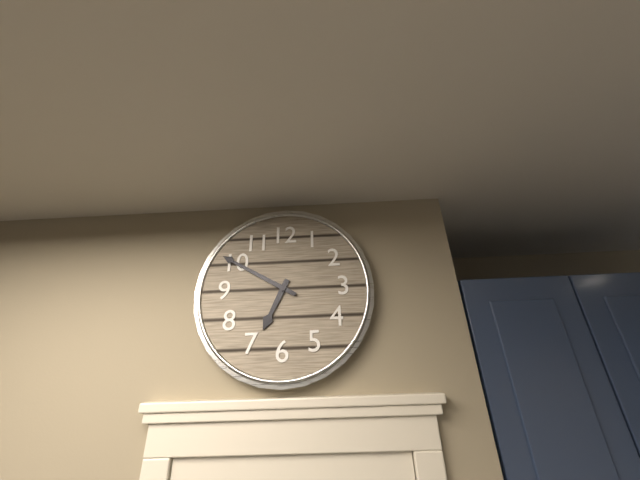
h=6 m=50
